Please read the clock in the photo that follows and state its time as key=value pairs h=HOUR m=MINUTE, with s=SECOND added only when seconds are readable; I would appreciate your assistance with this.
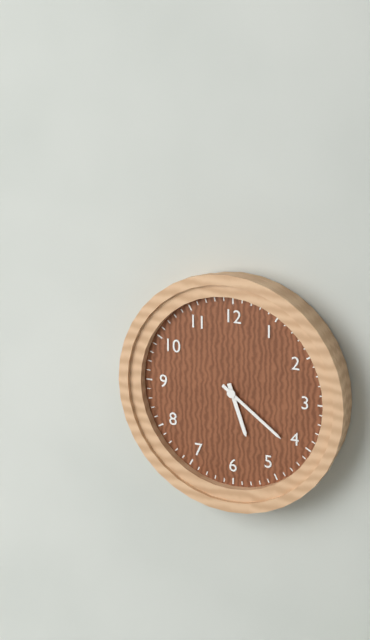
h=5 m=21
